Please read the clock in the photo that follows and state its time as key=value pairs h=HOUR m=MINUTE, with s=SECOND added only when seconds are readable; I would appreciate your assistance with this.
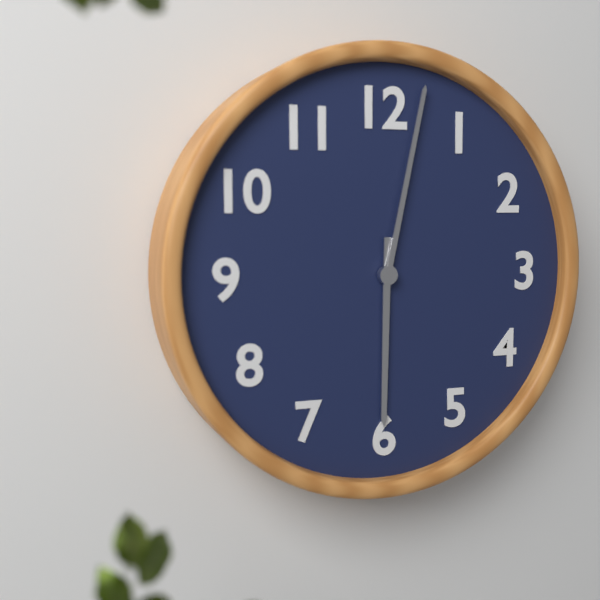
h=6 m=2
